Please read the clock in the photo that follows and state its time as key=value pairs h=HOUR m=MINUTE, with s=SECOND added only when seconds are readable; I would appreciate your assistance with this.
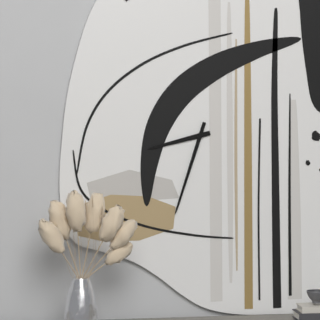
h=8 m=33
